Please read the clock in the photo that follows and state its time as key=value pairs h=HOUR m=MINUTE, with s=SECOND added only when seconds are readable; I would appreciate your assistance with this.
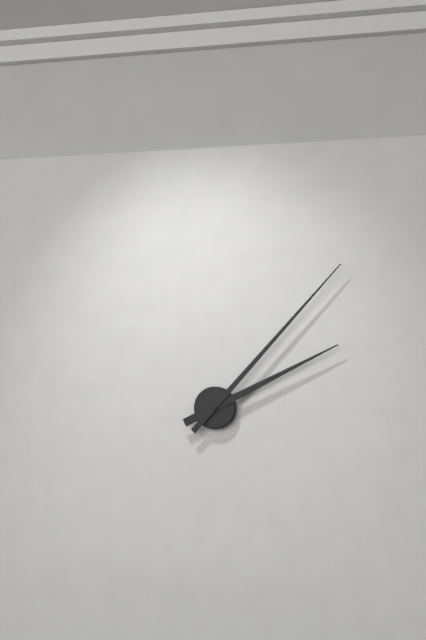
h=2 m=7
